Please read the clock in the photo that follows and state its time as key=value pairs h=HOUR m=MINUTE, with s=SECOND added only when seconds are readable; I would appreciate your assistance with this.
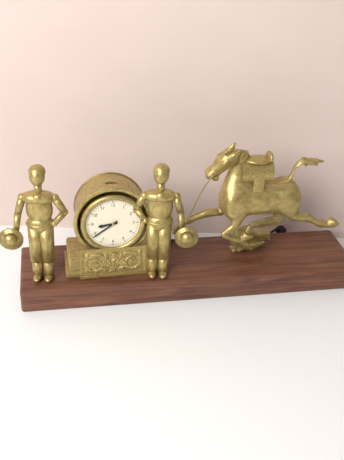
h=8 m=39
